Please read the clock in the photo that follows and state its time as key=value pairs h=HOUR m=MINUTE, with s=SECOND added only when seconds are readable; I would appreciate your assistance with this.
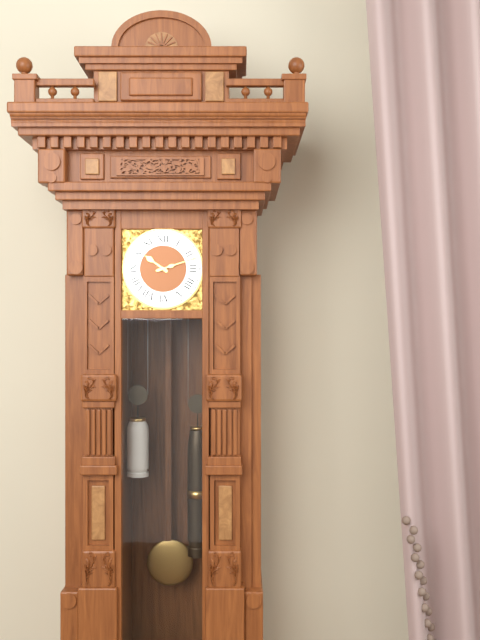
h=10 m=12
